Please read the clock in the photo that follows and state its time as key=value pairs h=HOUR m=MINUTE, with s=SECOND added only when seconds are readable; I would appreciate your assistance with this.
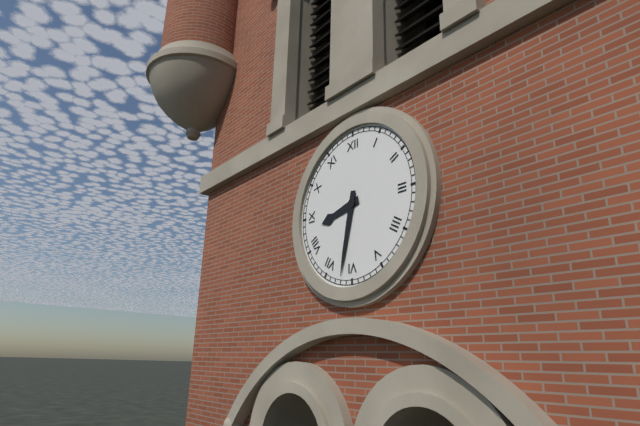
h=8 m=32
